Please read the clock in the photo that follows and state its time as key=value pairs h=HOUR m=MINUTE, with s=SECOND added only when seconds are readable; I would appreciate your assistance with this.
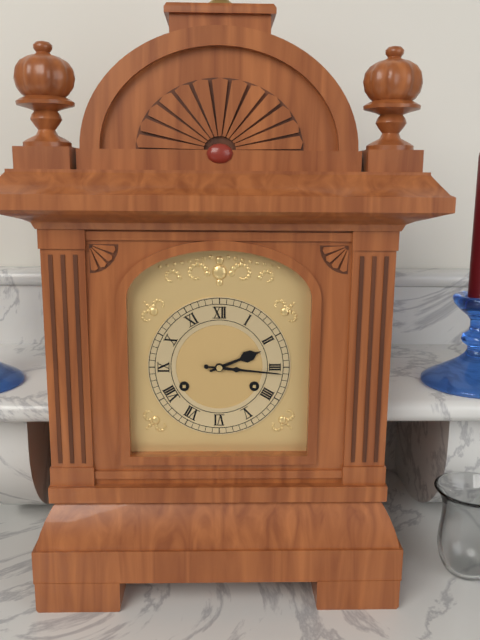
h=2 m=16
